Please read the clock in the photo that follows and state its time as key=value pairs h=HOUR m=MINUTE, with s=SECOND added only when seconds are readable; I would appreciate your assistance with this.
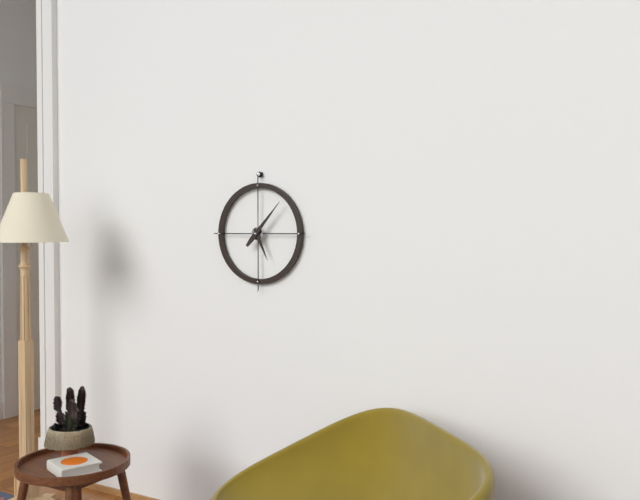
h=5 m=7
